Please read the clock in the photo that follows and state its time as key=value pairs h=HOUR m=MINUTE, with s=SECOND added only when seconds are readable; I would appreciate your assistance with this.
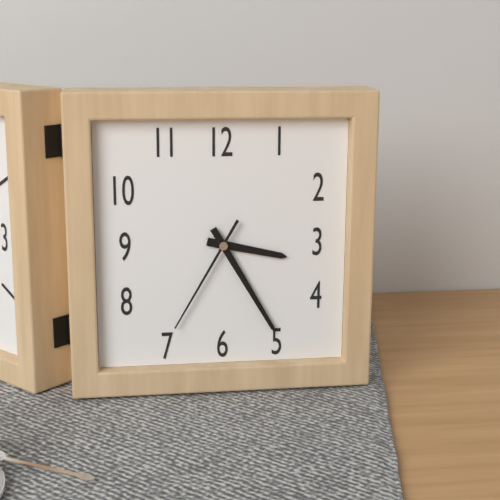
h=3 m=25 s=35
